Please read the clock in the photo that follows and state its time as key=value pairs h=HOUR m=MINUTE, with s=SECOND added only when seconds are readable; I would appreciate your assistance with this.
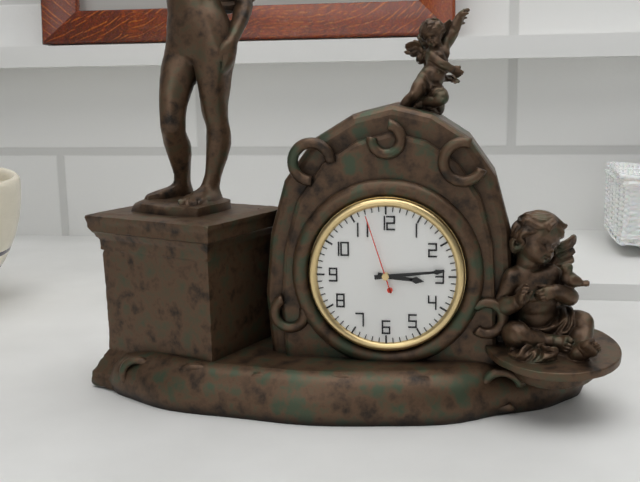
h=3 m=14 s=57
